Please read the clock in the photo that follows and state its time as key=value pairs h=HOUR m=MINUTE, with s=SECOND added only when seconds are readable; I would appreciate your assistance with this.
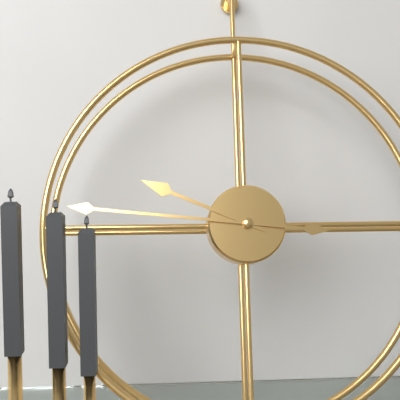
h=9 m=46
